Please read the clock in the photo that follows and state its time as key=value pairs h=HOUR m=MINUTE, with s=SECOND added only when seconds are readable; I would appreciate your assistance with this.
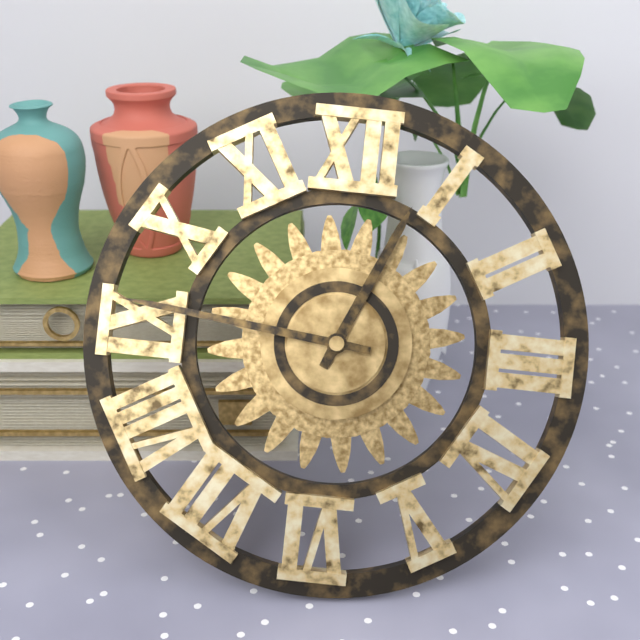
h=12 m=46
